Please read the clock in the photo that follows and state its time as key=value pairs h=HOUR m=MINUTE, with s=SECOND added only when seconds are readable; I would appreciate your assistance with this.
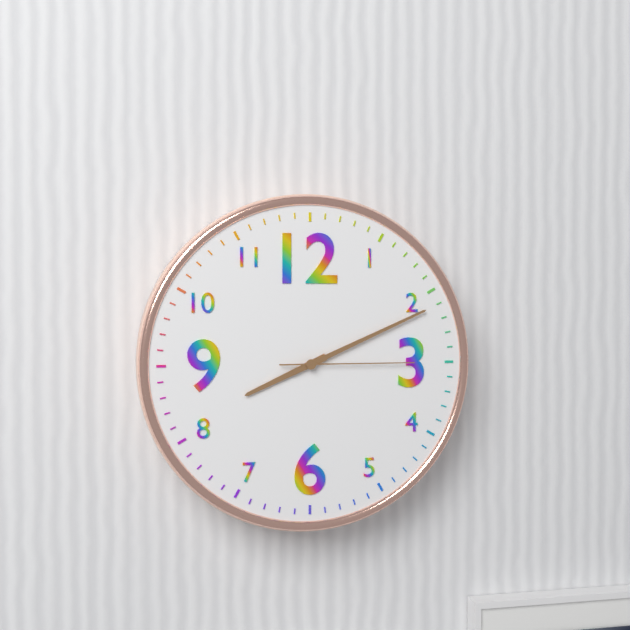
h=8 m=11 s=15
